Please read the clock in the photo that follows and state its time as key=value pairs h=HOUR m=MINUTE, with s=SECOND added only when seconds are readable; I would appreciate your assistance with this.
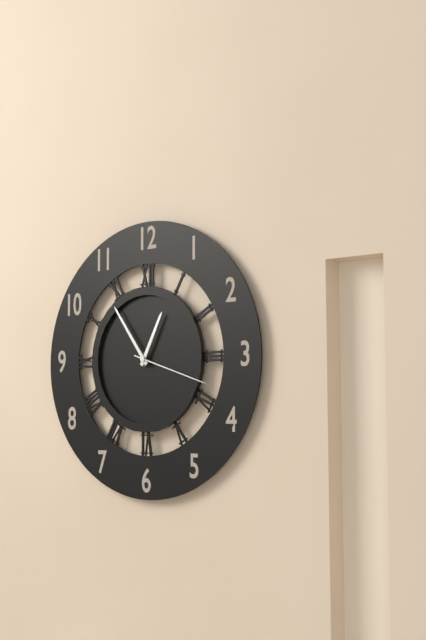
h=12 m=54 s=18
